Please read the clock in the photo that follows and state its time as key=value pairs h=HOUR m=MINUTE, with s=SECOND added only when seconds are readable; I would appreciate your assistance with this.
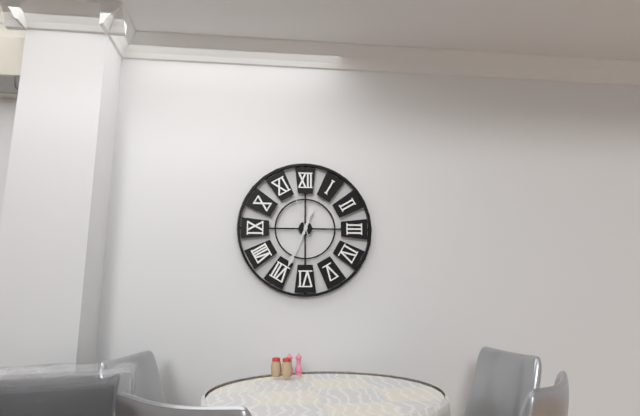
h=12 m=34 s=57
